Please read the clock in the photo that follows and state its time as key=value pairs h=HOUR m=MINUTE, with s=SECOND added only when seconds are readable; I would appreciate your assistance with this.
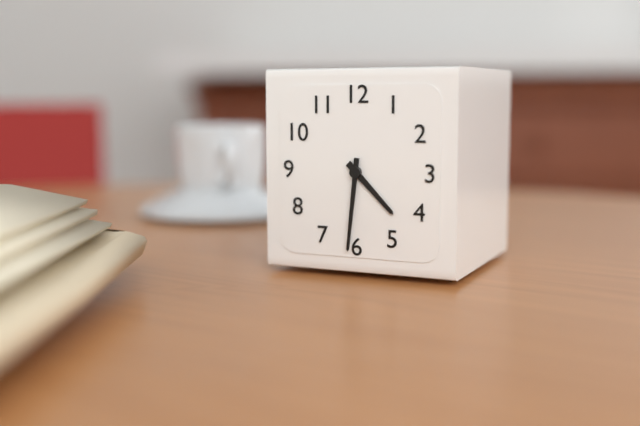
h=4 m=31
